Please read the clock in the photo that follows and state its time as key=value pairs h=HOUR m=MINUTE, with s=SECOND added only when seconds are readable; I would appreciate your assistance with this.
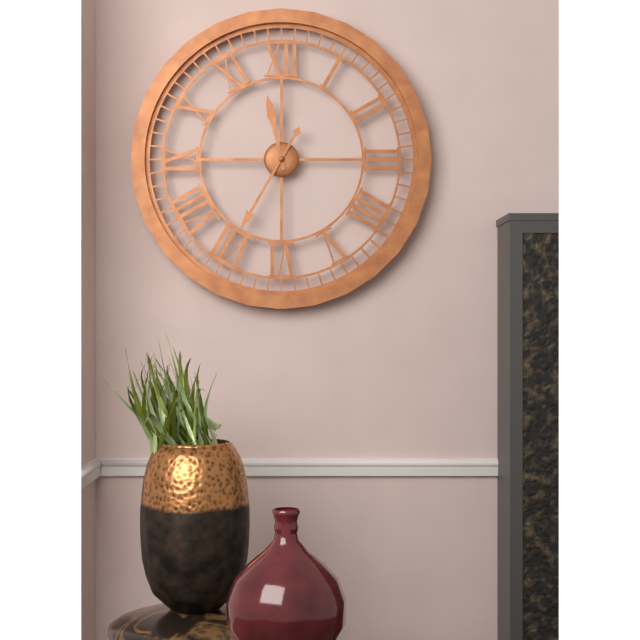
h=11 m=35
